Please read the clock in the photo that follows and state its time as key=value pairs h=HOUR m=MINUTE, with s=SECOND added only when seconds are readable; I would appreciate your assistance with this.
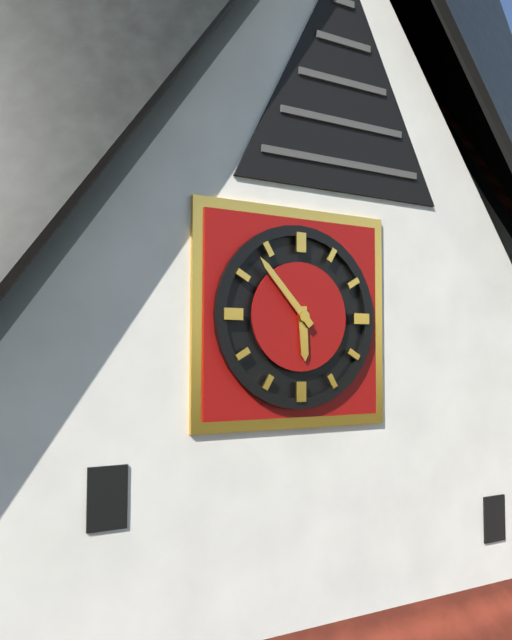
h=5 m=53
